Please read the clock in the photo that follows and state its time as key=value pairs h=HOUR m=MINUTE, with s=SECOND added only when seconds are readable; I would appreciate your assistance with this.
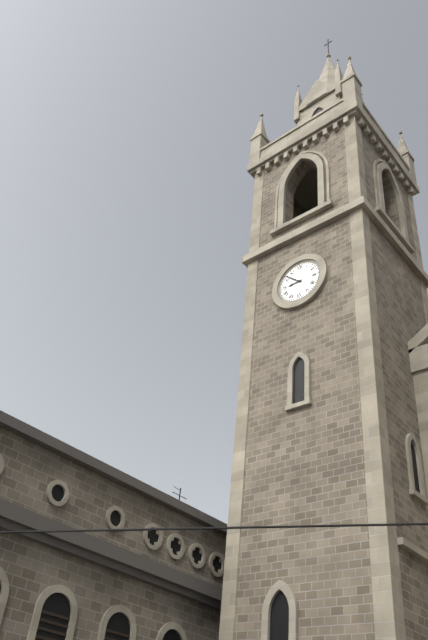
h=8 m=52
